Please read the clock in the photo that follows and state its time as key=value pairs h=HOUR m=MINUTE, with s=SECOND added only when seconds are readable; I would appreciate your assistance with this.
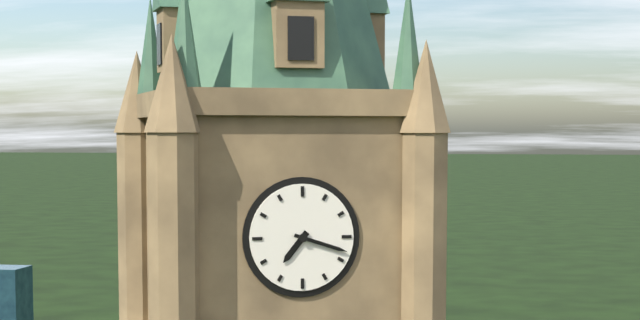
h=7 m=18
